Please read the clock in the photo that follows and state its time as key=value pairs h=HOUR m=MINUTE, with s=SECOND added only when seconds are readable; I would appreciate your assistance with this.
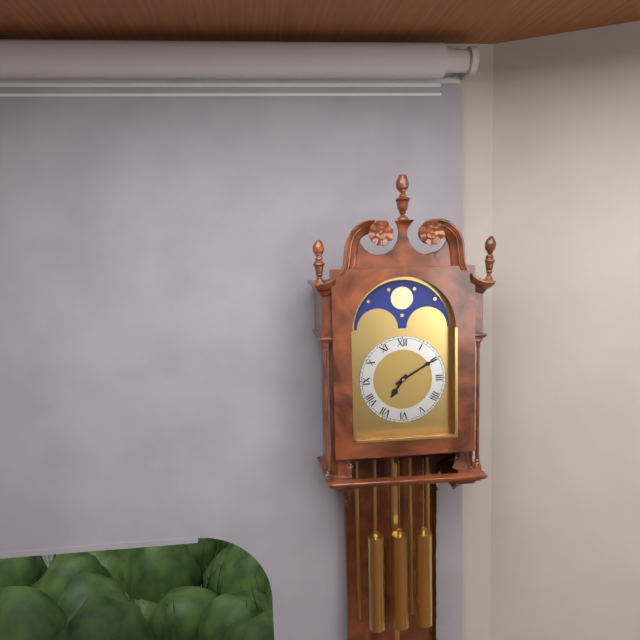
h=7 m=10
